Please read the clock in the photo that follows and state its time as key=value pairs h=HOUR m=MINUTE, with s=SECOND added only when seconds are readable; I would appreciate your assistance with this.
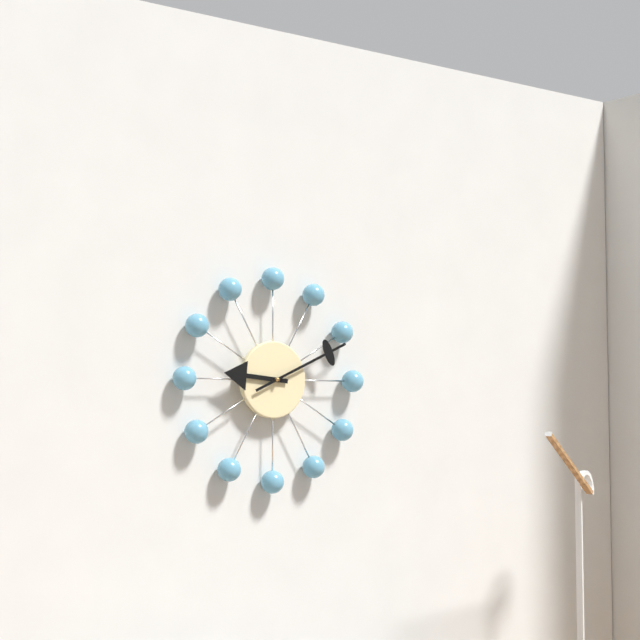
h=9 m=11
